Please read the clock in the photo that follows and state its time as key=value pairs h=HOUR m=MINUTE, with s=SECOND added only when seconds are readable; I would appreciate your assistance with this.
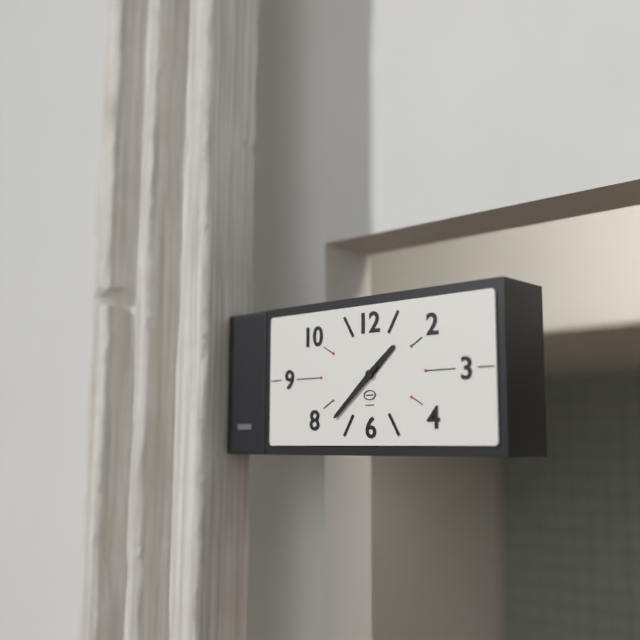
h=1 m=38
